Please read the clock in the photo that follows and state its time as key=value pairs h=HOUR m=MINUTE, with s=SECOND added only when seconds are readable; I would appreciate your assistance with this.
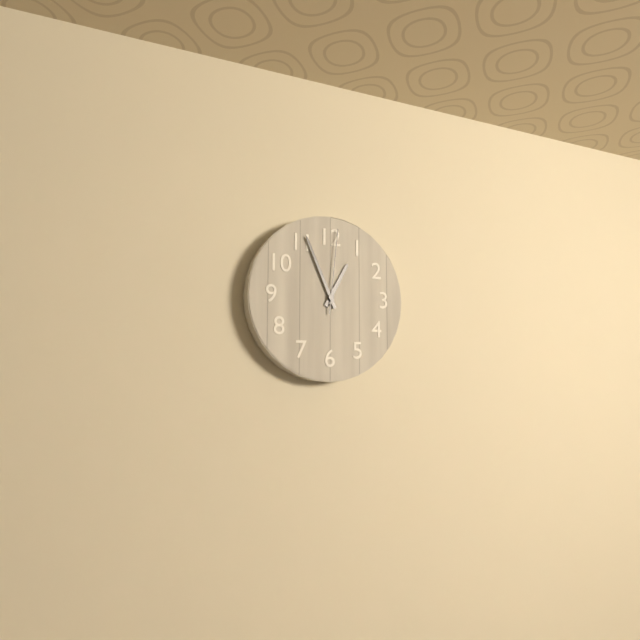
h=12 m=56 s=1
